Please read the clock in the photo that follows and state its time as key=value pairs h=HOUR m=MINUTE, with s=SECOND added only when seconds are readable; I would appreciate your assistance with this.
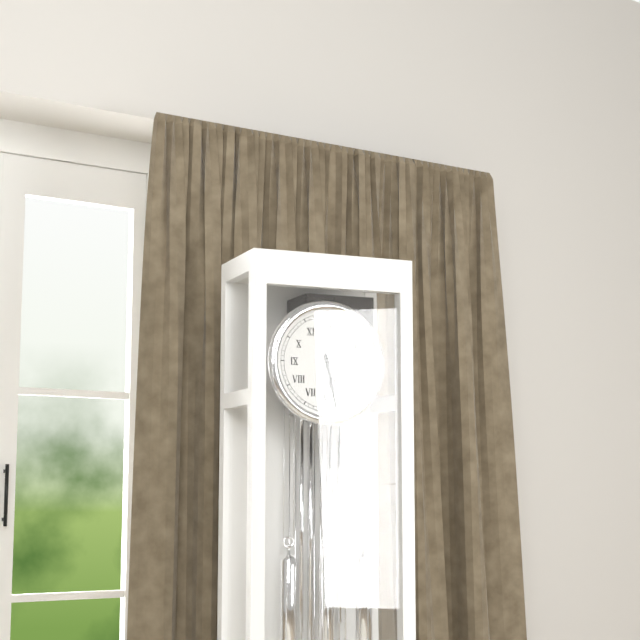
h=5 m=28
